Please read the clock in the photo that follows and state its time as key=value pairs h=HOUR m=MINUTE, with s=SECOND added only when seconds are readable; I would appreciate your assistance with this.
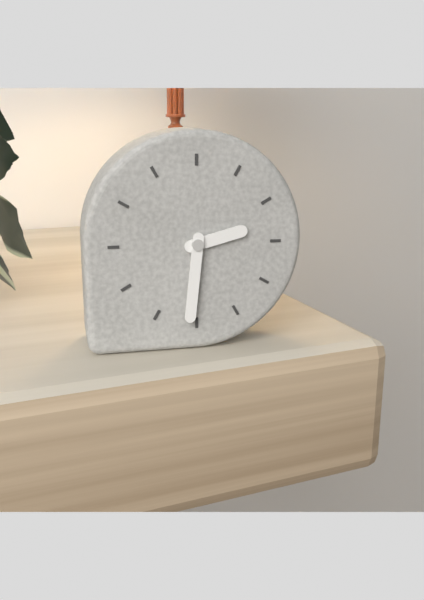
h=2 m=31
